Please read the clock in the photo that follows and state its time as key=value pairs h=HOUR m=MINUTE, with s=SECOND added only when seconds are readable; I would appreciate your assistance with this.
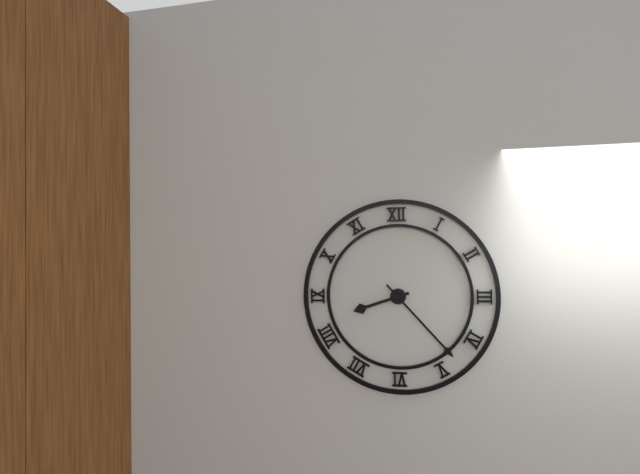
h=8 m=23
